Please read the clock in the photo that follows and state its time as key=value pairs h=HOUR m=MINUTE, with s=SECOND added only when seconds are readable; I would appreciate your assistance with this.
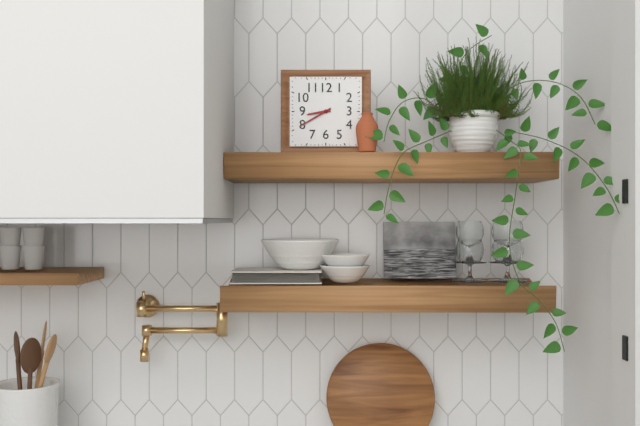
h=8 m=40
